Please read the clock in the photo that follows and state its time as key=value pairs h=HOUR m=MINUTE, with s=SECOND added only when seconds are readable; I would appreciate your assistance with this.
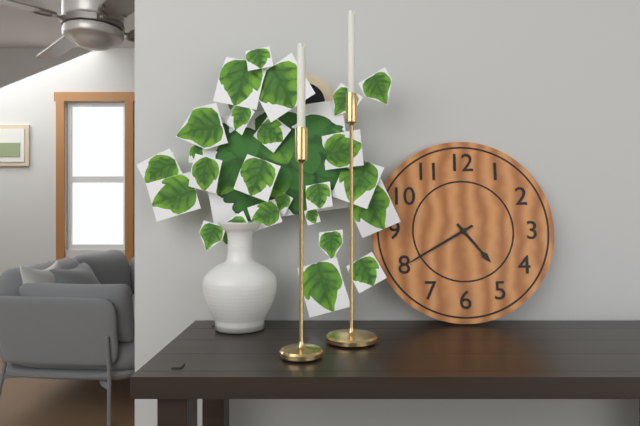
h=4 m=40
